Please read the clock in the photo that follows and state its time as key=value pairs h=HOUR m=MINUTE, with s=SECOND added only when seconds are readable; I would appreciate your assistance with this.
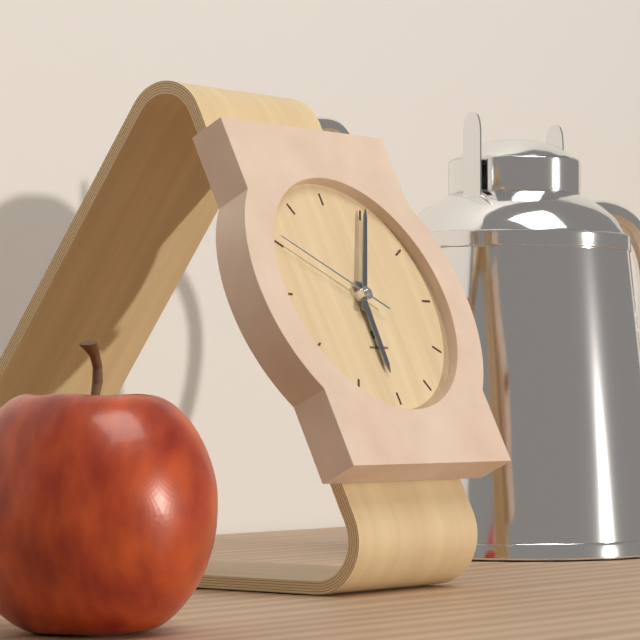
h=6 m=5 s=50
